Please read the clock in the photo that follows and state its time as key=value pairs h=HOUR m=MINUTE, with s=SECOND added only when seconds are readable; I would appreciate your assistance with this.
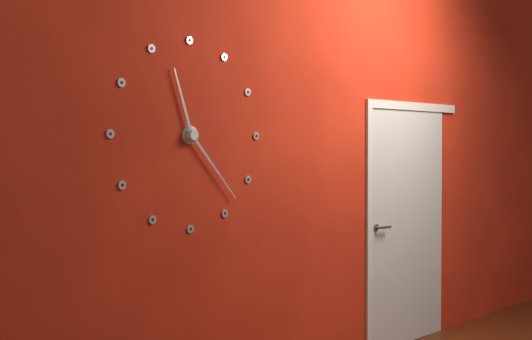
h=11 m=23
